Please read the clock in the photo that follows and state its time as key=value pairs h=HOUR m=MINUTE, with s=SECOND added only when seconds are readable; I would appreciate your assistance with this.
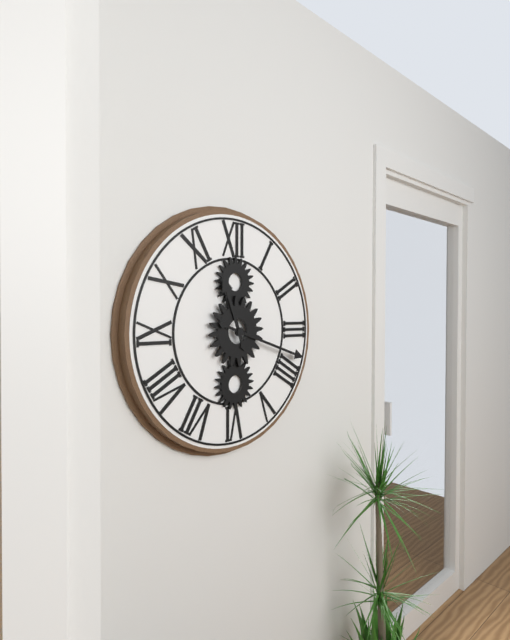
h=11 m=18
